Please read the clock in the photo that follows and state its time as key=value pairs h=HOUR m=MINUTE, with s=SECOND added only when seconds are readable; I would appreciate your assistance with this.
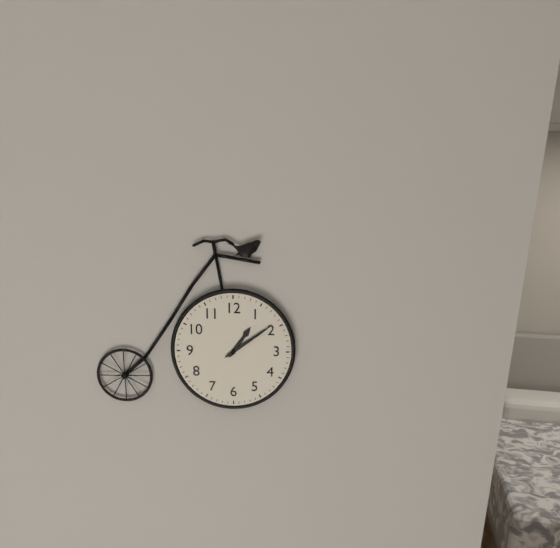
h=1 m=9
